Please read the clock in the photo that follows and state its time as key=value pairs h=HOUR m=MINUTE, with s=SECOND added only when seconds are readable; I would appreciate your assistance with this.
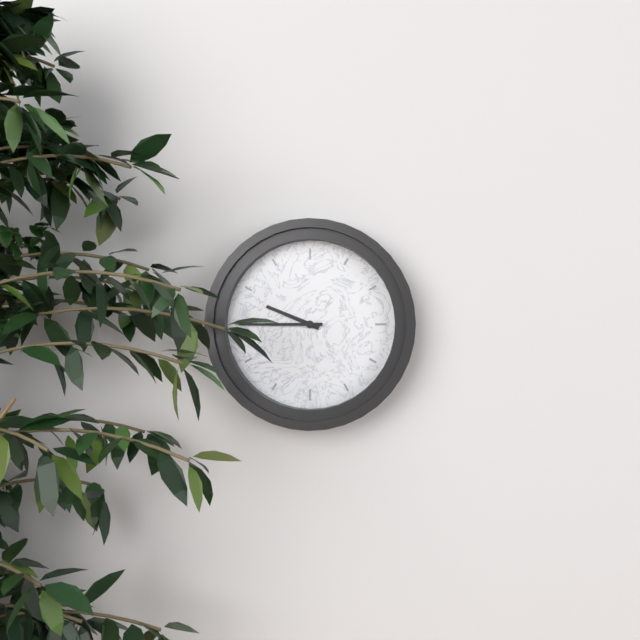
h=9 m=45
